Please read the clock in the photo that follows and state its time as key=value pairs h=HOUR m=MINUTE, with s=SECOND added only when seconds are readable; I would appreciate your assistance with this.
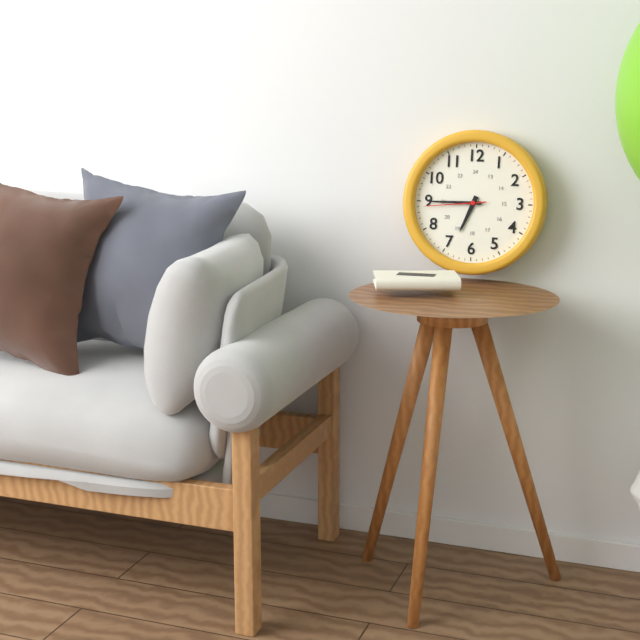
h=6 m=45 s=44
